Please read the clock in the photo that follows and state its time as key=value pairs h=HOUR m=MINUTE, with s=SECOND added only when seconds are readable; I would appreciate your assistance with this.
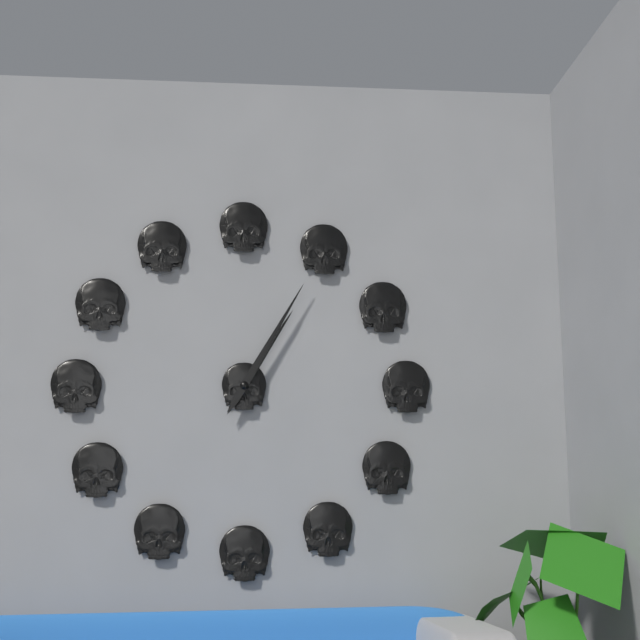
h=1 m=5
